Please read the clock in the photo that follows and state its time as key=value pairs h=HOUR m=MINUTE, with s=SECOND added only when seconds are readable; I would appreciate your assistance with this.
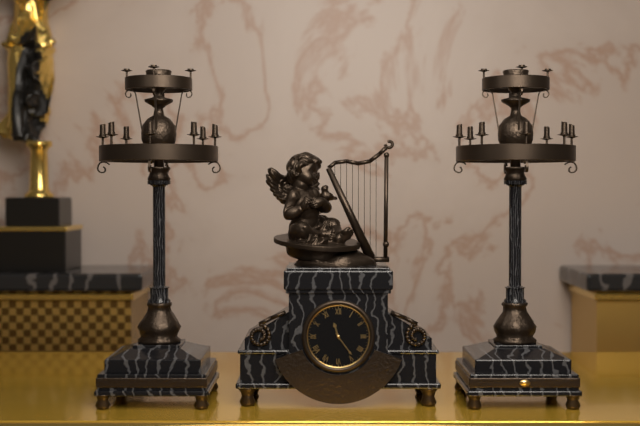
h=11 m=24
